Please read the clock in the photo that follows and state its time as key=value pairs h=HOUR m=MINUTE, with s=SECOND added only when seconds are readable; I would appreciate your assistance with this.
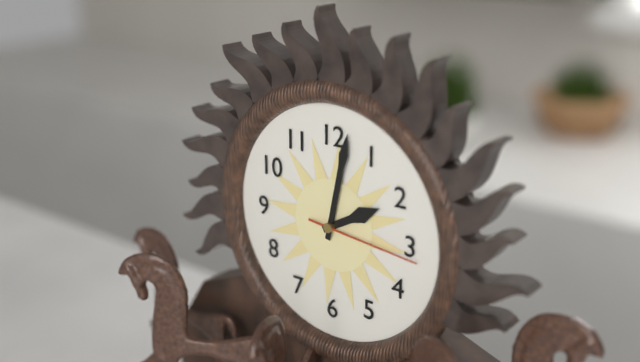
h=2 m=2 s=16
